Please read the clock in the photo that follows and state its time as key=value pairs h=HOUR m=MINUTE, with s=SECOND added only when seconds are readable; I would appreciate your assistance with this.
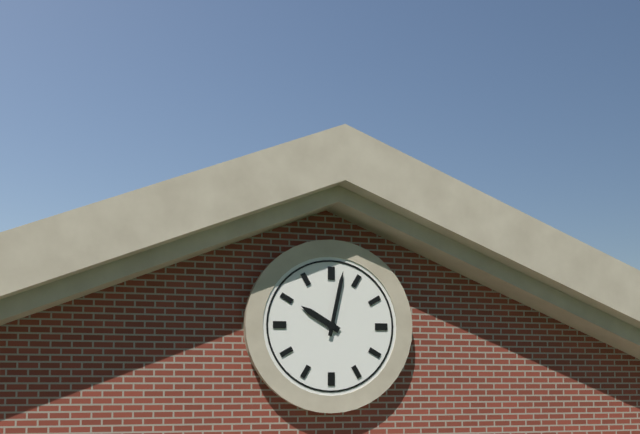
h=10 m=2
